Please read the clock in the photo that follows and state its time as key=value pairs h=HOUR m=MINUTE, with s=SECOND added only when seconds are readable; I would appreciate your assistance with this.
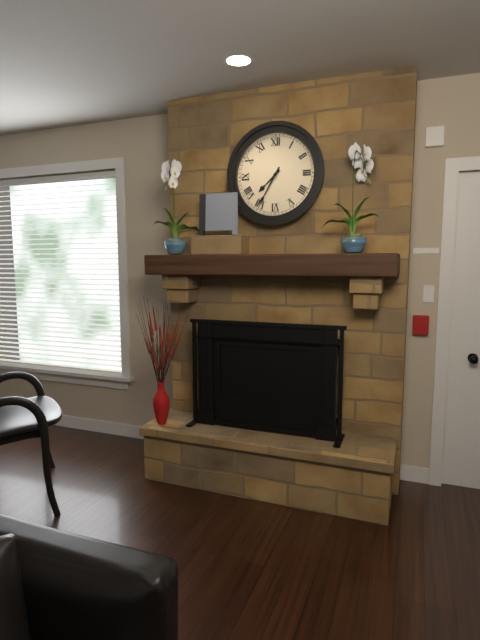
h=7 m=35
